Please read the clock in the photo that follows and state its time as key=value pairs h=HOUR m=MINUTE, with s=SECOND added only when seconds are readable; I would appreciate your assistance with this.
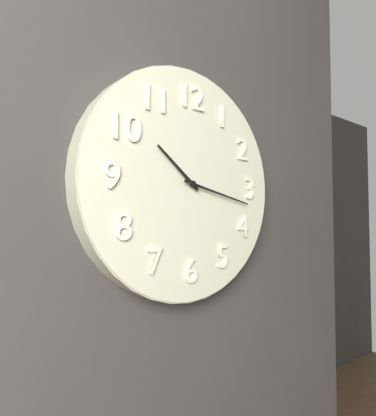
h=10 m=17
